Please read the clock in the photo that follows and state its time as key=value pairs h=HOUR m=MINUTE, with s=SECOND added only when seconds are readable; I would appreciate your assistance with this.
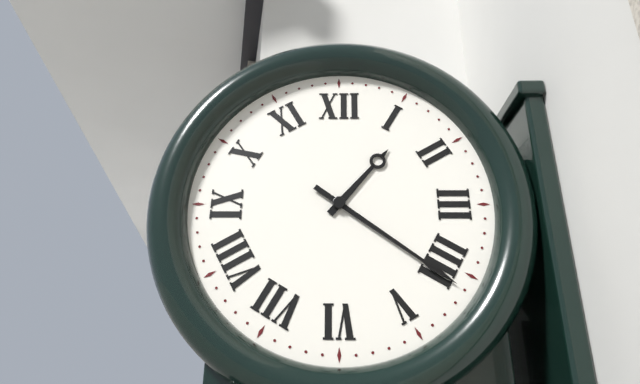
h=1 m=21
